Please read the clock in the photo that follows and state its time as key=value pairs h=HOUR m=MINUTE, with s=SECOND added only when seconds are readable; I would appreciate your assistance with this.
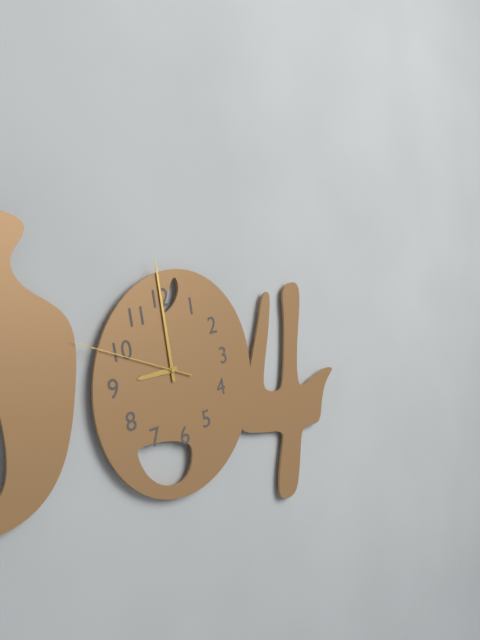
h=9 m=0 s=49
